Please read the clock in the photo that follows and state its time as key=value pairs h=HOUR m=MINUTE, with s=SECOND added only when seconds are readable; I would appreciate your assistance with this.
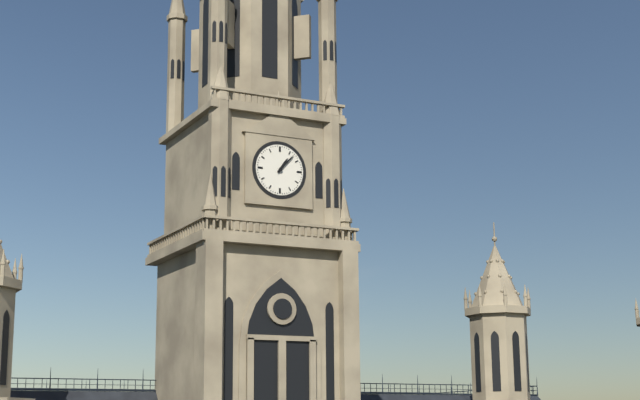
h=1 m=7
